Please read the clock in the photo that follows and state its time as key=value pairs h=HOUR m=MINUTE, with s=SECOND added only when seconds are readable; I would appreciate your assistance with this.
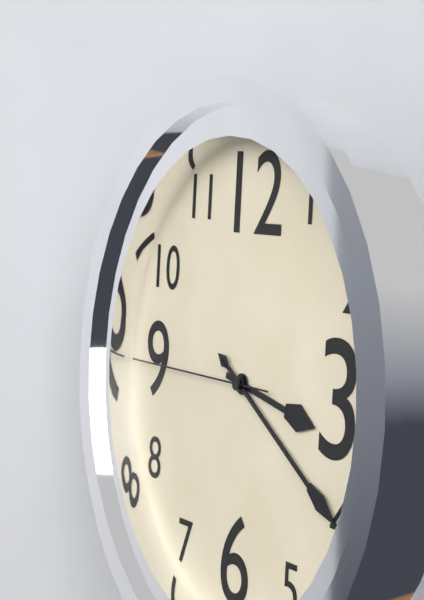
h=3 m=20 s=45
